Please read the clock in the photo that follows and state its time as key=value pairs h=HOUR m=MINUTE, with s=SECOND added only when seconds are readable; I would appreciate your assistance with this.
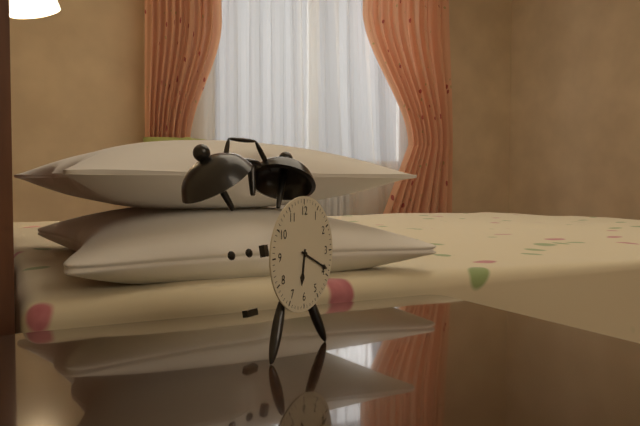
h=6 m=19
